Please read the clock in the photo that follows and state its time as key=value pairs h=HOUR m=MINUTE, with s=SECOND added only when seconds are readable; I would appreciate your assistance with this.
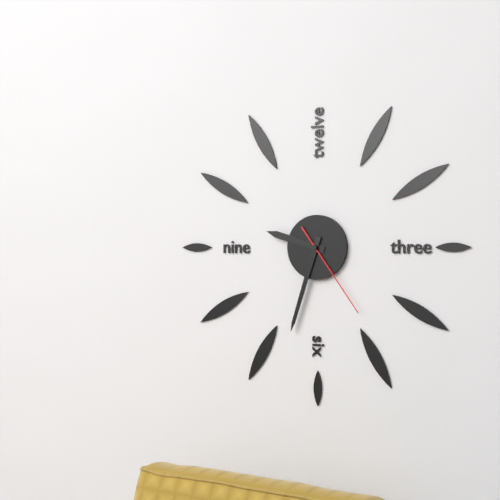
h=9 m=33 s=24
